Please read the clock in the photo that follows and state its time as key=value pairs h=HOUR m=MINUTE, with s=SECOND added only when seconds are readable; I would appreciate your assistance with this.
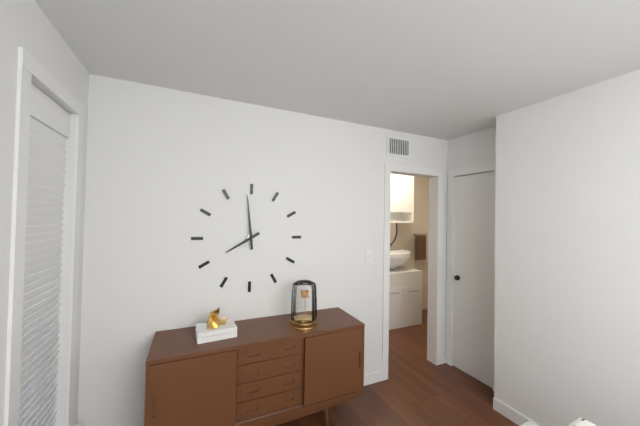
h=7 m=59
